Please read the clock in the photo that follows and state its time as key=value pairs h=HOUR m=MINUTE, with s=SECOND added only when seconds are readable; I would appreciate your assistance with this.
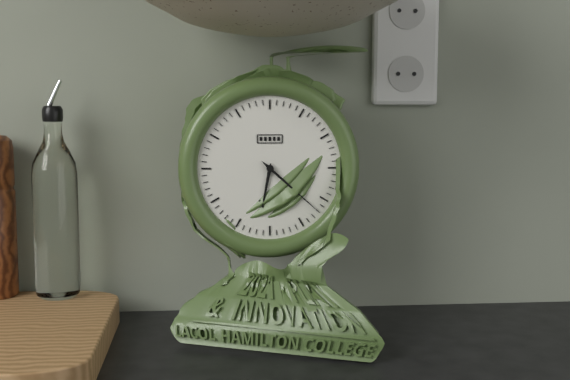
h=6 m=22
